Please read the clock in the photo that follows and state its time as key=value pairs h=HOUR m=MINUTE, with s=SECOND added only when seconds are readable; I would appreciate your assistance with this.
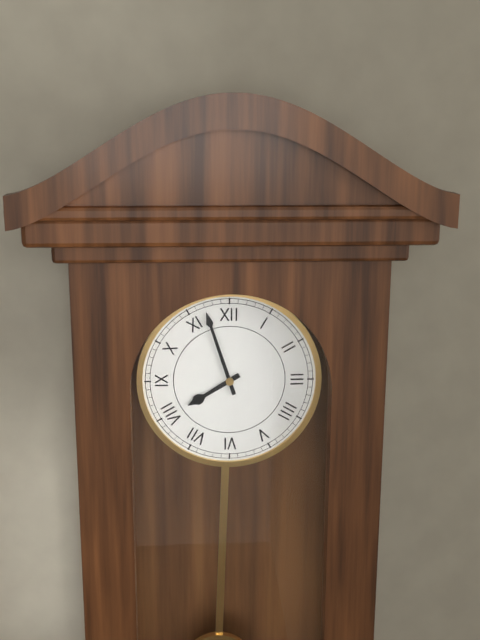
h=7 m=57
